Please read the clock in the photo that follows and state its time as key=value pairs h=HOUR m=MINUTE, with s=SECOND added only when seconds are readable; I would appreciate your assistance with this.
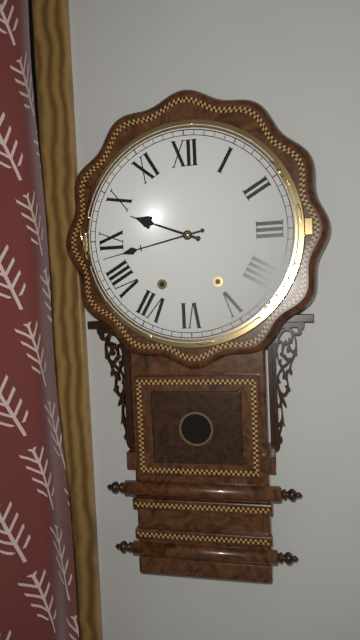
h=9 m=43
